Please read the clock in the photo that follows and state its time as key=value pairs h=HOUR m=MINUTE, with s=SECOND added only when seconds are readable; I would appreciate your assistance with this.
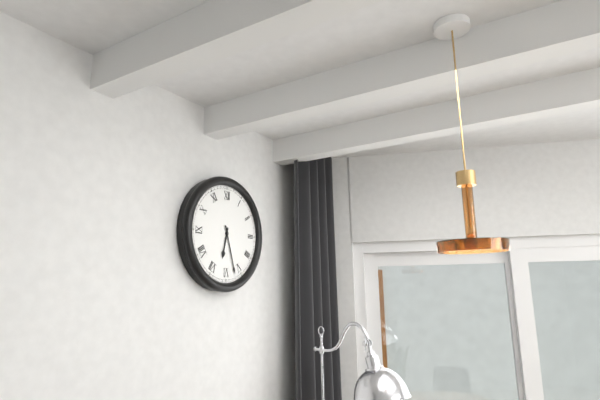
h=6 m=27
